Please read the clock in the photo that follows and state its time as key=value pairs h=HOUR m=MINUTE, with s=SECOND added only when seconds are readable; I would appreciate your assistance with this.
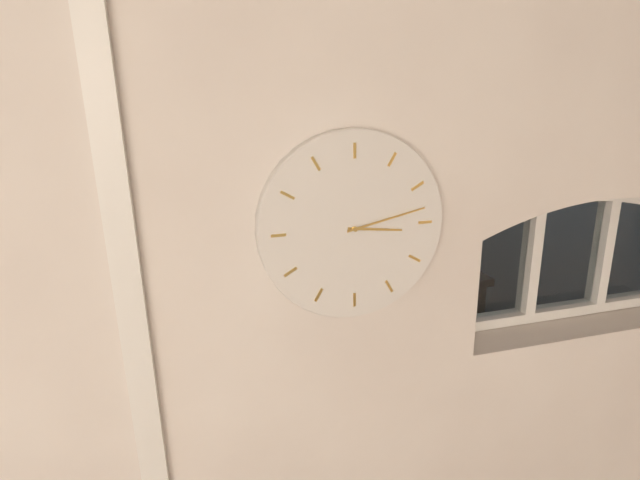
h=3 m=13
